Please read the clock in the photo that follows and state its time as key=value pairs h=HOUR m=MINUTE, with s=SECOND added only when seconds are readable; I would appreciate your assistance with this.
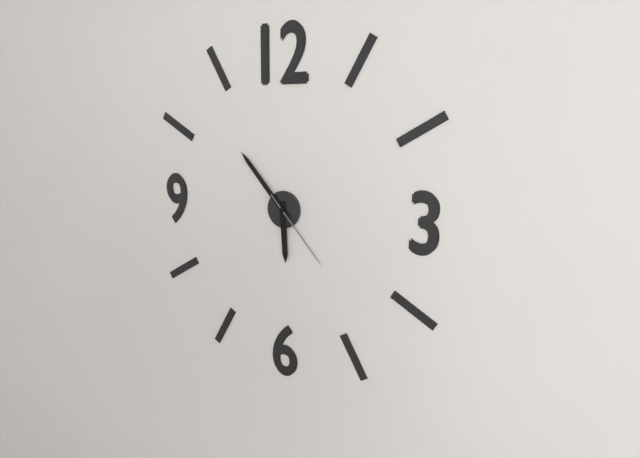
h=5 m=53 s=23
